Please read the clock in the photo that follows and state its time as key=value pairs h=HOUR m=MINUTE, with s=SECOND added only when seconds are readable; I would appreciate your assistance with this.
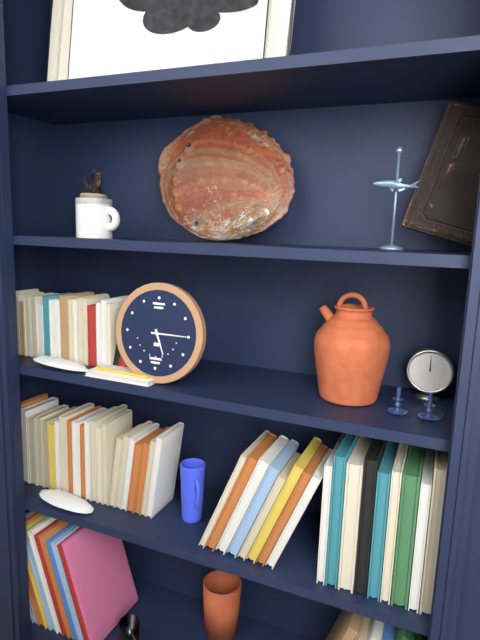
h=5 m=15
